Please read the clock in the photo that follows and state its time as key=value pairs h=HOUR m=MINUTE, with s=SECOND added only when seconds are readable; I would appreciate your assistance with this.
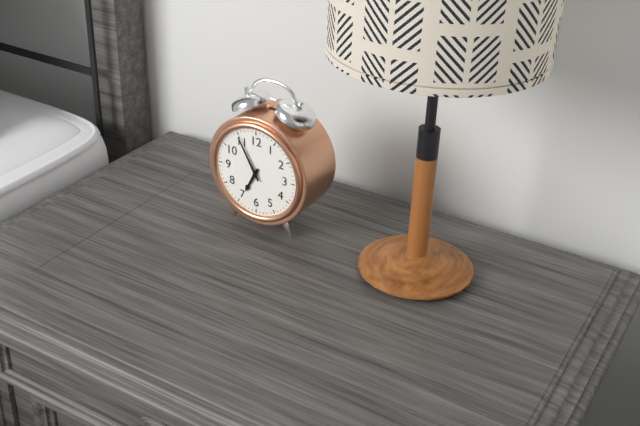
h=6 m=55
